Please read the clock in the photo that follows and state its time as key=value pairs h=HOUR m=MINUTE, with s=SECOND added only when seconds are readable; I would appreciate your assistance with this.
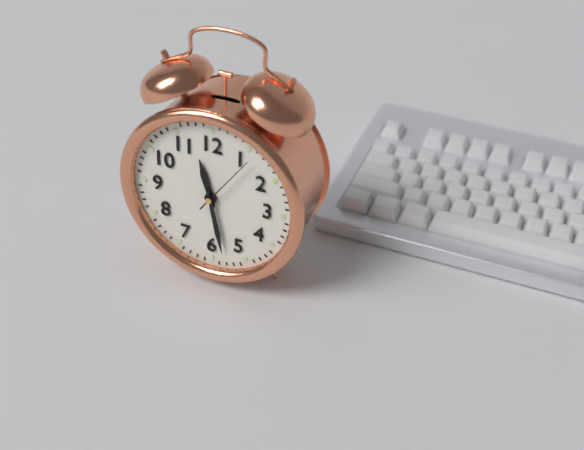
h=11 m=28 s=6
